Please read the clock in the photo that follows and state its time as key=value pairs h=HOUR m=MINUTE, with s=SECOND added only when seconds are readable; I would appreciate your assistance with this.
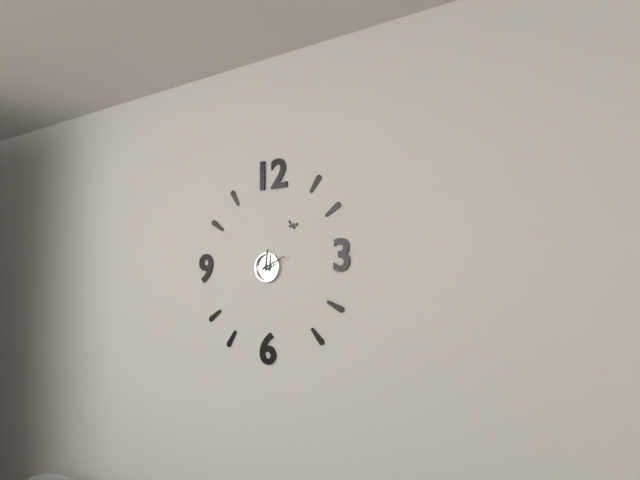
h=12 m=11
